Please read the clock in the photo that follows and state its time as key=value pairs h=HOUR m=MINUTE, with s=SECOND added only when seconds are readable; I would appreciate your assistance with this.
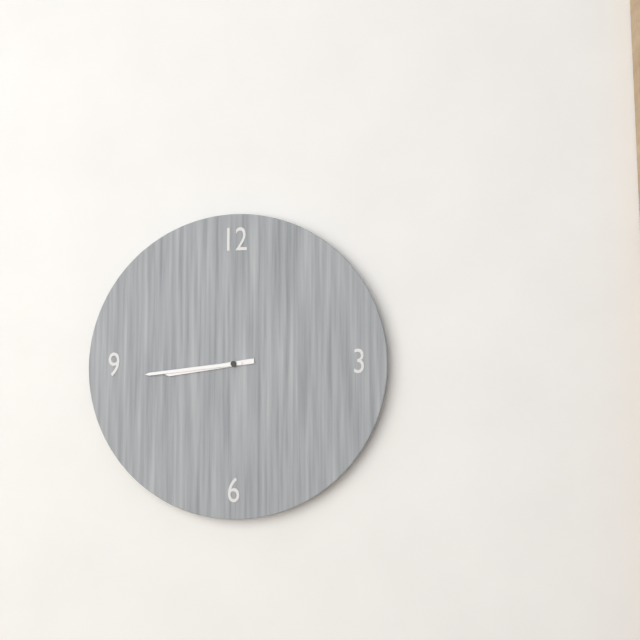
h=8 m=44
